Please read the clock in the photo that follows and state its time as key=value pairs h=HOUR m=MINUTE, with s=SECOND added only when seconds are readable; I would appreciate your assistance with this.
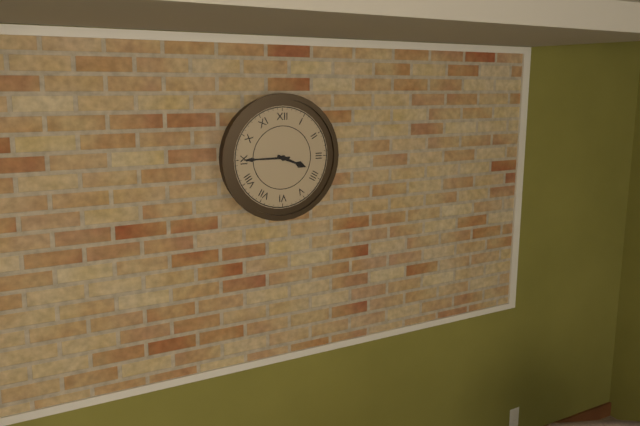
h=3 m=45
